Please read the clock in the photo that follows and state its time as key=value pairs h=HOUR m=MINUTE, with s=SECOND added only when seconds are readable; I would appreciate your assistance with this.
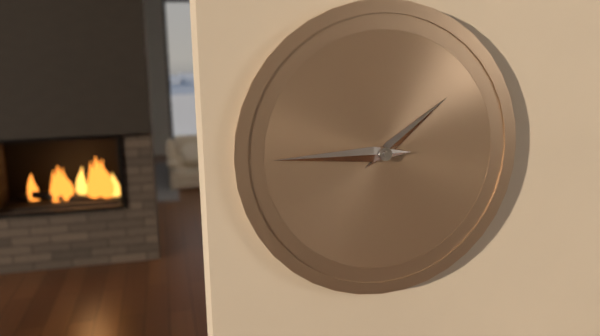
h=1 m=45
